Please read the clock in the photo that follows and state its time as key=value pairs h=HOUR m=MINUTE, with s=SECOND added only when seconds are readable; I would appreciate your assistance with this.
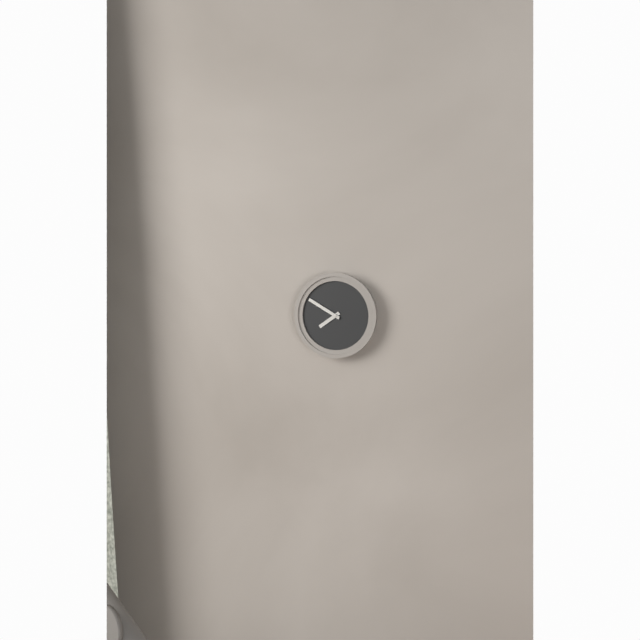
h=7 m=50
